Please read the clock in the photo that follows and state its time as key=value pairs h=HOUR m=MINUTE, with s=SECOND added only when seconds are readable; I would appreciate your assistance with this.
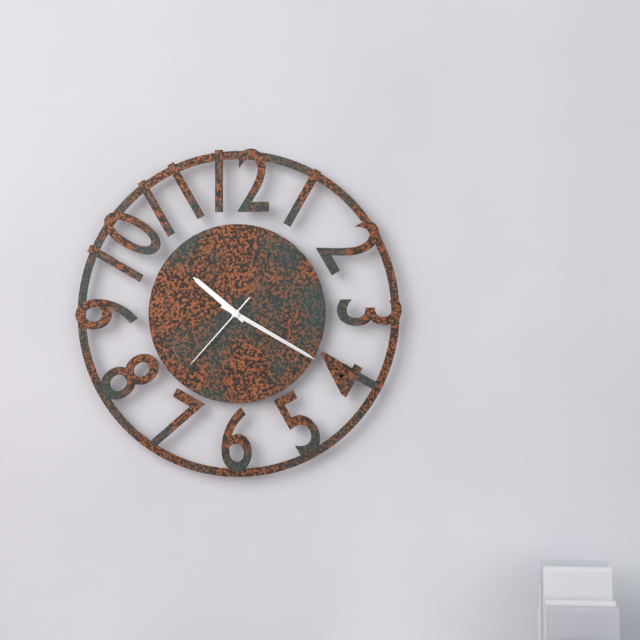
h=10 m=20 s=37
